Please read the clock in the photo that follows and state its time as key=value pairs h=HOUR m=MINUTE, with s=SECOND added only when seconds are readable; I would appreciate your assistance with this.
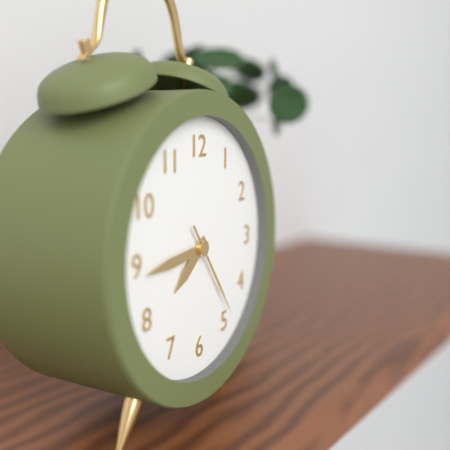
h=7 m=44 s=24
